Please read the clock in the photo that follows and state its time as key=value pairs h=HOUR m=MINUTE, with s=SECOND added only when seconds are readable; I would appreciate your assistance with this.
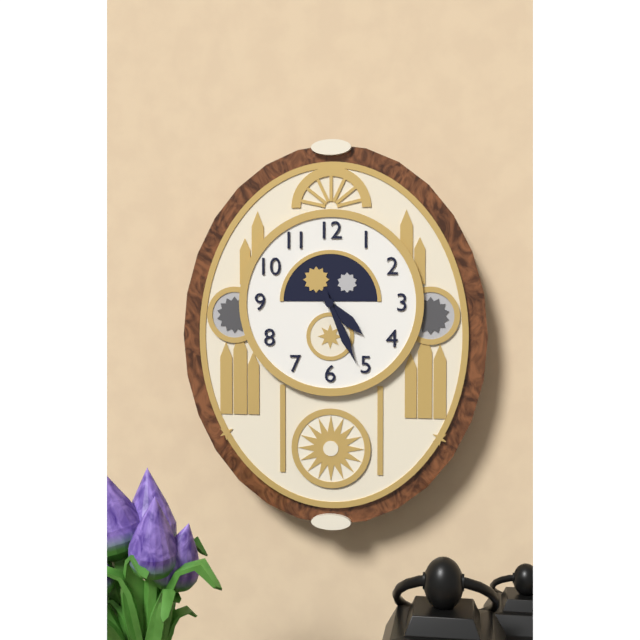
h=4 m=26
